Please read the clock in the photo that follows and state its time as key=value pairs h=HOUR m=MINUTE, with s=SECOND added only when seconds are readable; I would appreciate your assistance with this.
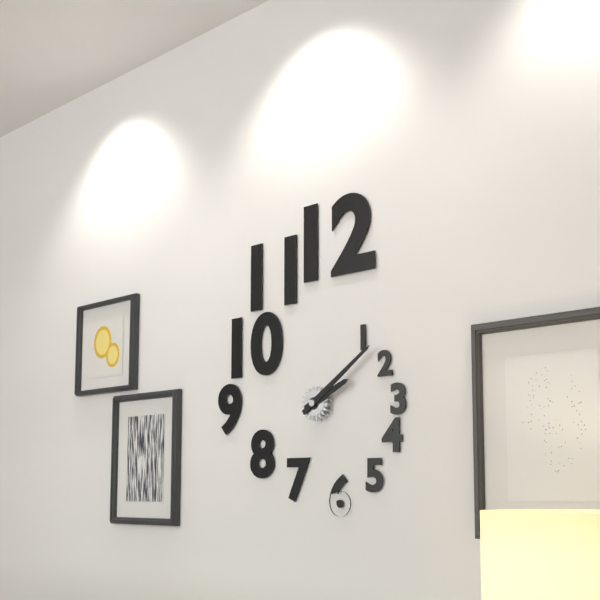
h=2 m=9
